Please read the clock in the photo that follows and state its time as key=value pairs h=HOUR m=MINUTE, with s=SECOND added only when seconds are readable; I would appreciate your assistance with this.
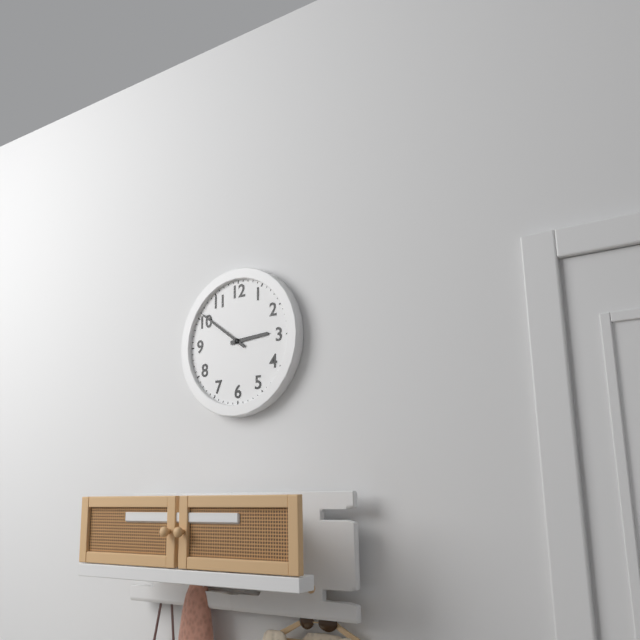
h=2 m=51
